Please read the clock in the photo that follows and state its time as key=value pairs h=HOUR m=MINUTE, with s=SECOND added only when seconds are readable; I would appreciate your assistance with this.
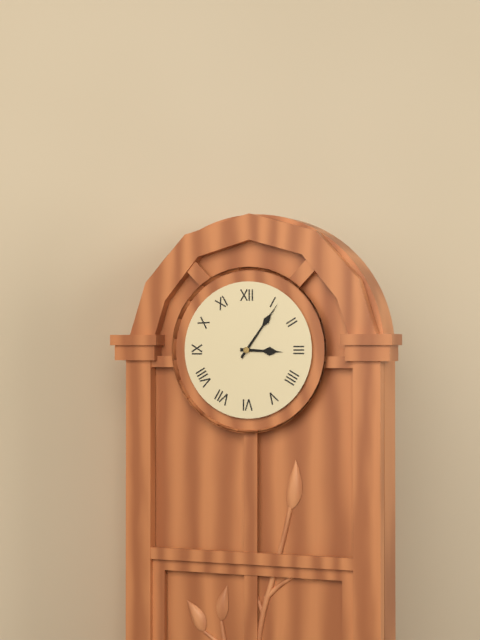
h=3 m=6
